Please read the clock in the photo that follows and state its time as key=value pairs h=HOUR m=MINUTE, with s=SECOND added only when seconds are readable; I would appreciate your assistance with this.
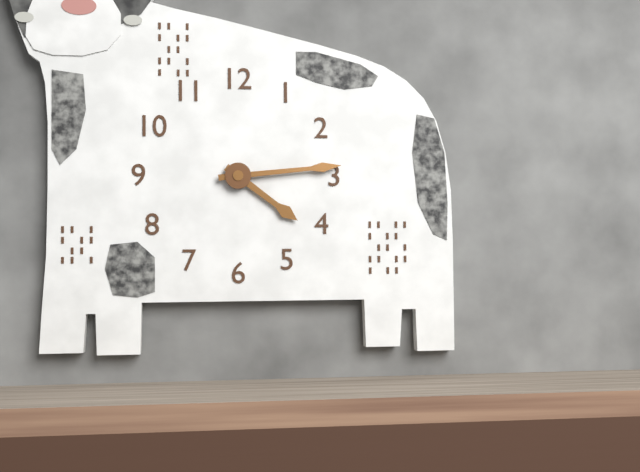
h=4 m=14
